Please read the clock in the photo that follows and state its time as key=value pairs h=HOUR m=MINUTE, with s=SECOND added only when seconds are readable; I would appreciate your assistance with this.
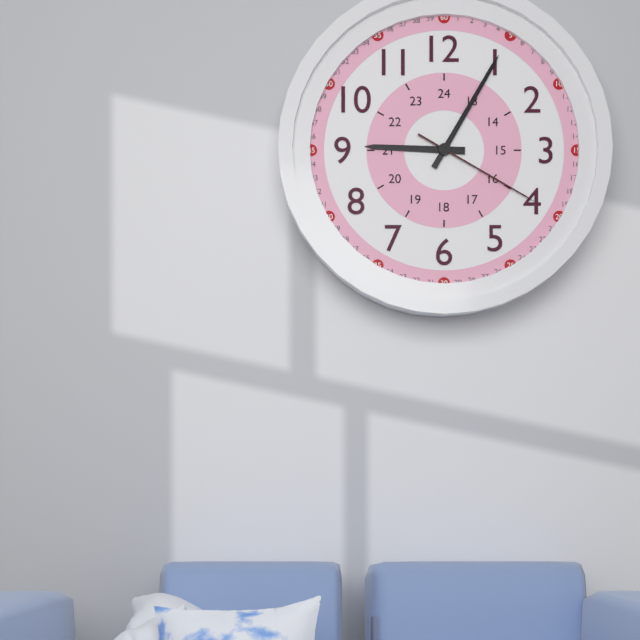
h=9 m=5 s=20
